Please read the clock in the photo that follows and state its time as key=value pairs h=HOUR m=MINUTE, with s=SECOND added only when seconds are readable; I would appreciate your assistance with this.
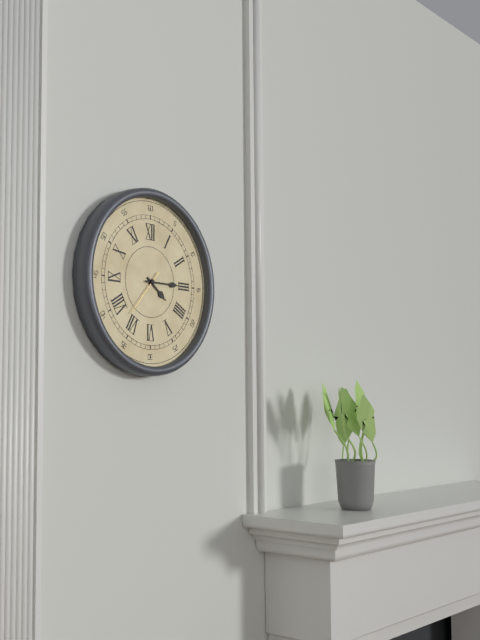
h=4 m=15
